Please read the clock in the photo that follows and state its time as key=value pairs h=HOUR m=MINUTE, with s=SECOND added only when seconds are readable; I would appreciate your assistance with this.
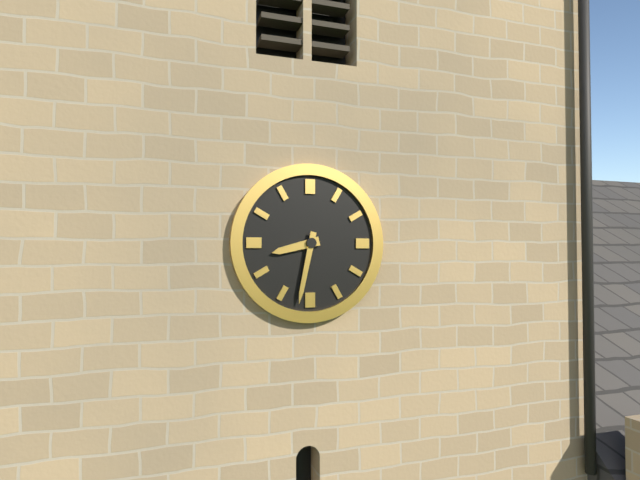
h=8 m=32
